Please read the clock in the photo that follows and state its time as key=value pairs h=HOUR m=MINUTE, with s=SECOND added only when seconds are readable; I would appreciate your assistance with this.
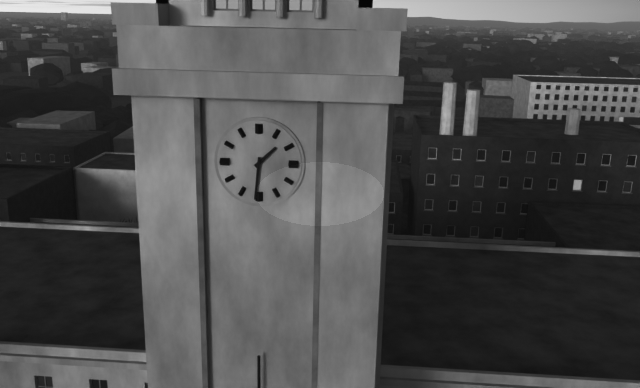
h=1 m=31
